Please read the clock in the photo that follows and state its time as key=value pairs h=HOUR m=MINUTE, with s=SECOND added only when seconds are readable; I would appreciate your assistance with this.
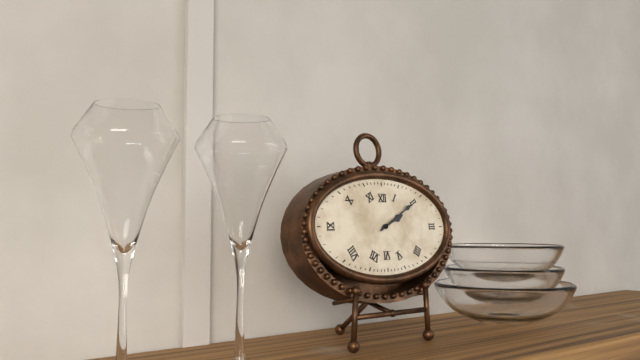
h=2 m=10
